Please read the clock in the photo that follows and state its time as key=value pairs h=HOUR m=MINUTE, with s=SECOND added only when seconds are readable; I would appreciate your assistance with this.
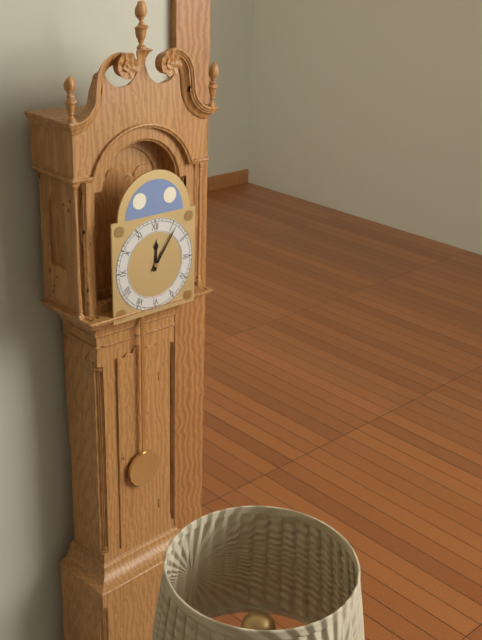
h=12 m=6
